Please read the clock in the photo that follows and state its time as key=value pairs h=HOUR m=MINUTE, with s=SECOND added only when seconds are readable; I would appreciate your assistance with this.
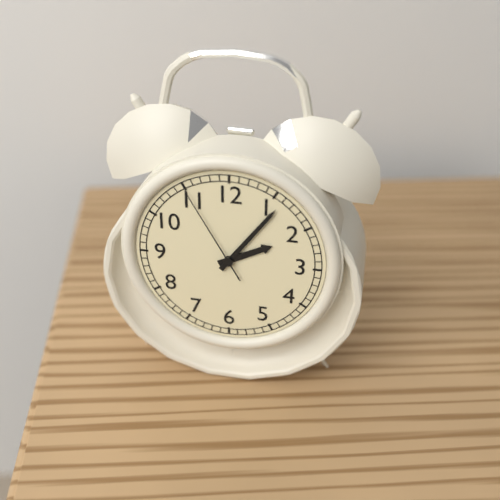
h=2 m=6 s=55
